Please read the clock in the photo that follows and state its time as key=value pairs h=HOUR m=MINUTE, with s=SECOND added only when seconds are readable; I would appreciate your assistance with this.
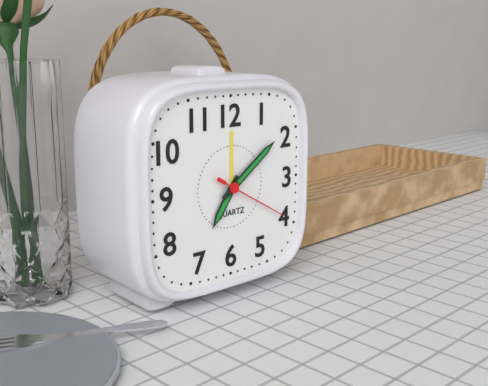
h=7 m=9 s=20
